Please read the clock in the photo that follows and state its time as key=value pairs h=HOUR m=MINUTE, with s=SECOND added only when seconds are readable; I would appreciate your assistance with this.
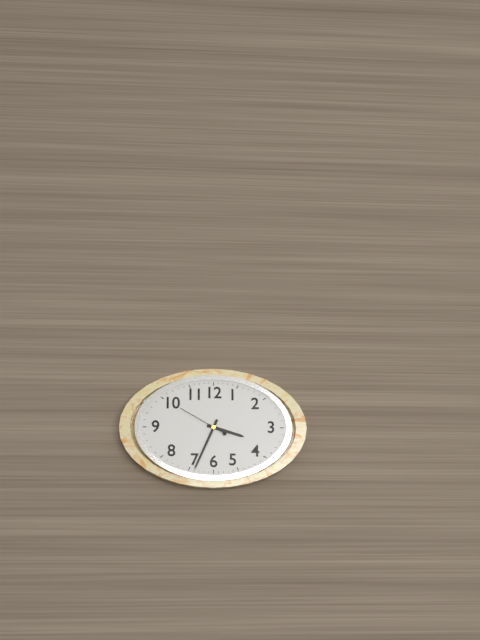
h=3 m=34
